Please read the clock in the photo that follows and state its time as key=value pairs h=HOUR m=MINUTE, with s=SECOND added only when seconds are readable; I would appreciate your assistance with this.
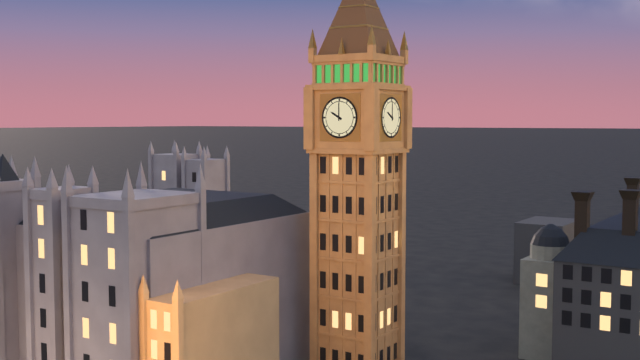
h=10 m=0
